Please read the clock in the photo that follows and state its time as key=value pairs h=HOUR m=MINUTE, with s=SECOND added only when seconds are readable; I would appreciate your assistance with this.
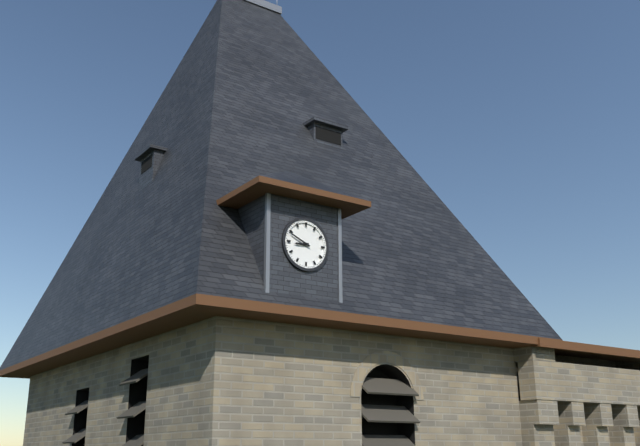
h=8 m=49
